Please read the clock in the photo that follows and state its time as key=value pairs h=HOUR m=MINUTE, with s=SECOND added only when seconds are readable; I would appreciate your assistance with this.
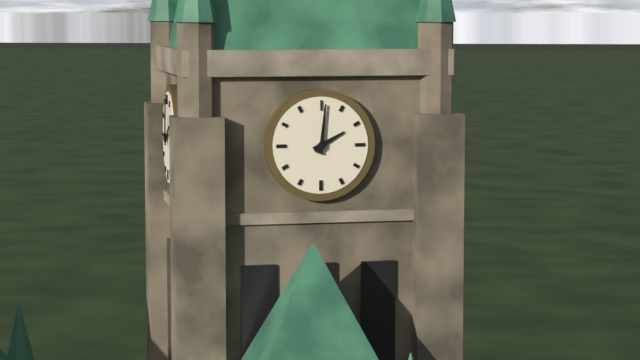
h=2 m=1
